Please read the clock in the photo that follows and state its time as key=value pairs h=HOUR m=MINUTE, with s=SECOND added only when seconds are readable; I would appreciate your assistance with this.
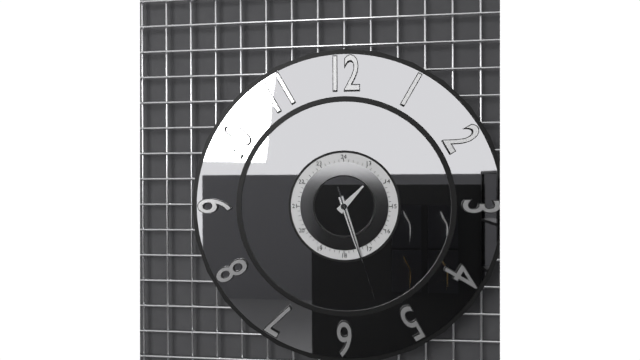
h=1 m=27 s=27
